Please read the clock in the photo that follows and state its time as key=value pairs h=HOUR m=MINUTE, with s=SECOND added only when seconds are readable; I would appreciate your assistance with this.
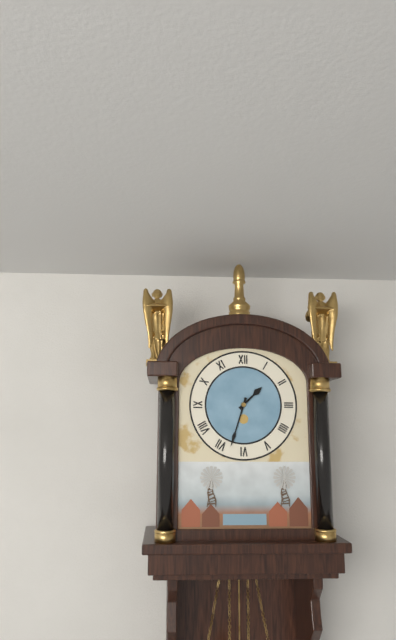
h=1 m=33
